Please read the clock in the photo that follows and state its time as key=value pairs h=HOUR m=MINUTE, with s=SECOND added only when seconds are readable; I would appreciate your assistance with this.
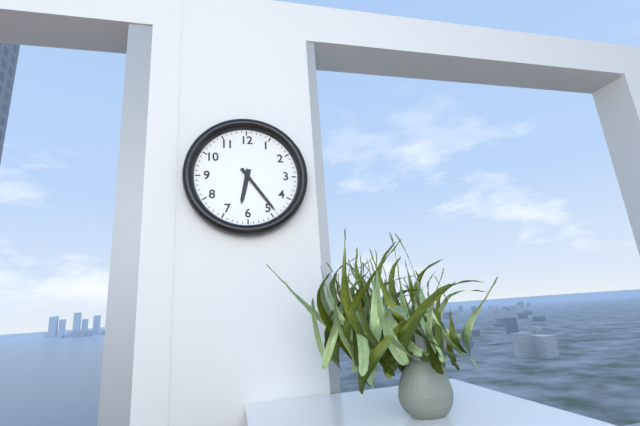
h=6 m=24
